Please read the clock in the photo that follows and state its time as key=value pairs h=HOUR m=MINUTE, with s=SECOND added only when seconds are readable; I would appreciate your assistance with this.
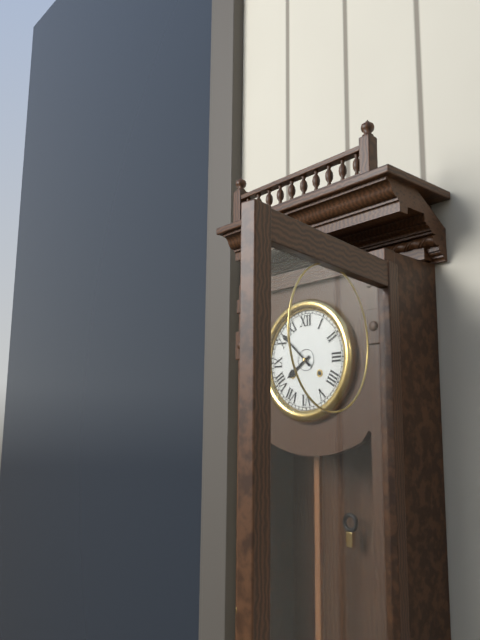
h=7 m=52
